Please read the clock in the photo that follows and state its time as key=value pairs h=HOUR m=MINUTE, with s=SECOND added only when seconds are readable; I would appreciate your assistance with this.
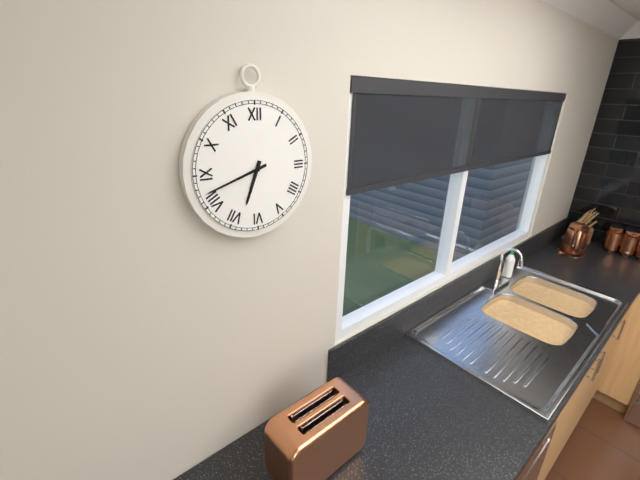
h=6 m=42
